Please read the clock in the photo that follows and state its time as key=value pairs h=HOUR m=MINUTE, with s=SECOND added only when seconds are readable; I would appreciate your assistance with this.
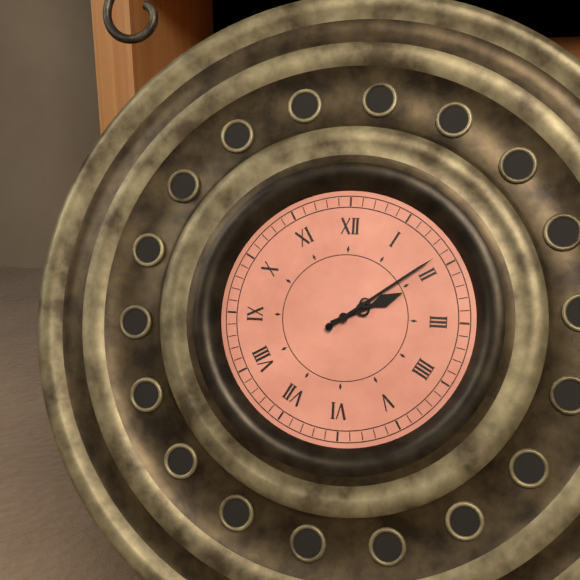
h=2 m=9
